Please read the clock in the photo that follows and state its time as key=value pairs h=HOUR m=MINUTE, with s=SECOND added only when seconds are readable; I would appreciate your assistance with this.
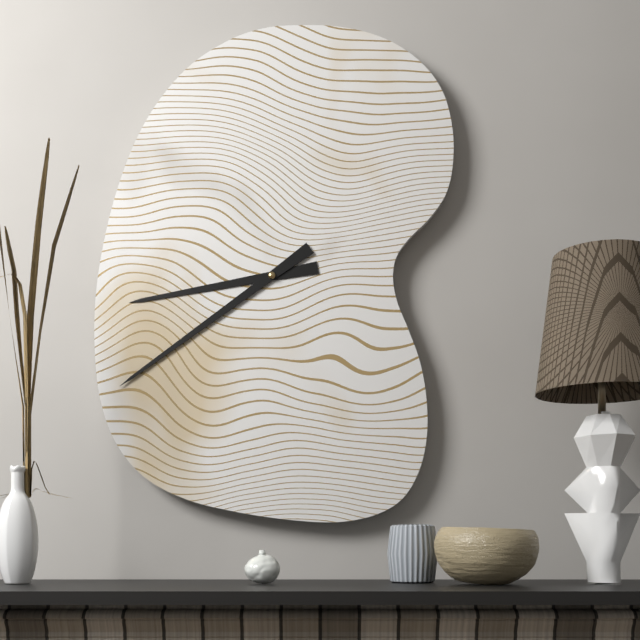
h=8 m=39
